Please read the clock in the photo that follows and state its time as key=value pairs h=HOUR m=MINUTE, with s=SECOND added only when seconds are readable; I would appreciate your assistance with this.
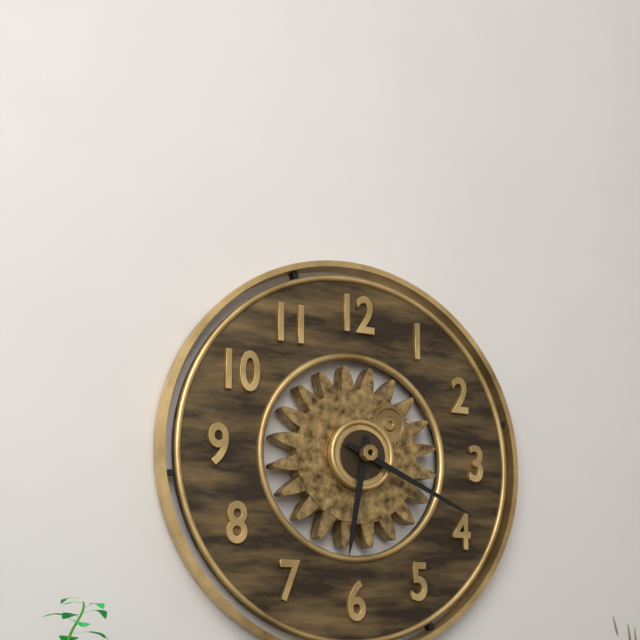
h=6 m=19
